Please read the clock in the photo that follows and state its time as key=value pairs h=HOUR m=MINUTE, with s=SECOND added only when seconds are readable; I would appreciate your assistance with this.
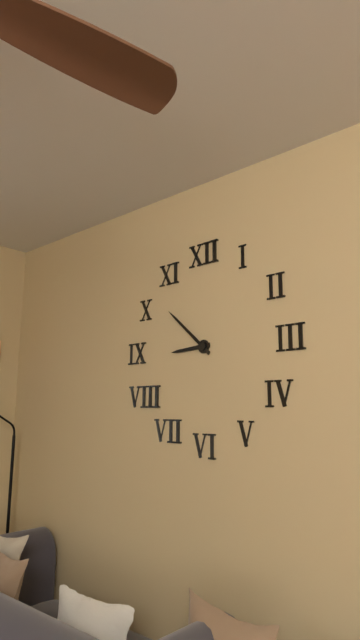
h=8 m=52
